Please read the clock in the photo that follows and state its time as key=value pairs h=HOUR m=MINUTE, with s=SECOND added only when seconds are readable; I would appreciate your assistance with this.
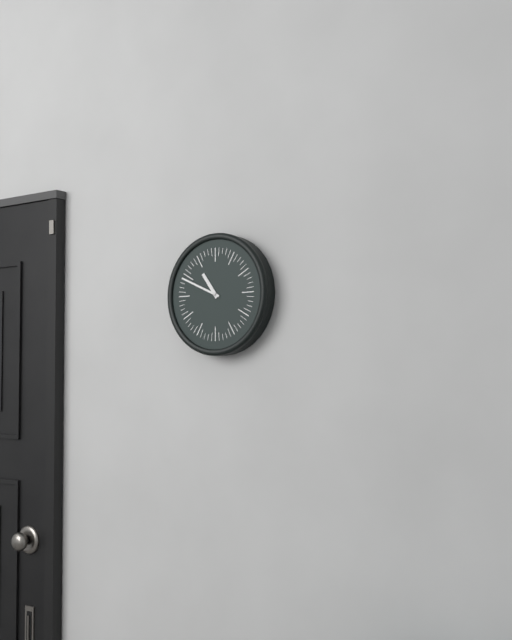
h=10 m=49
